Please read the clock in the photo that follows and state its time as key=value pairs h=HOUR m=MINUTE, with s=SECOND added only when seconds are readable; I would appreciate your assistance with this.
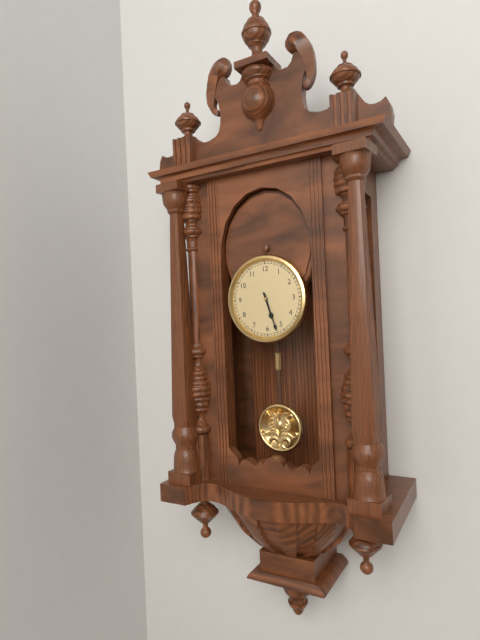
h=5 m=27
